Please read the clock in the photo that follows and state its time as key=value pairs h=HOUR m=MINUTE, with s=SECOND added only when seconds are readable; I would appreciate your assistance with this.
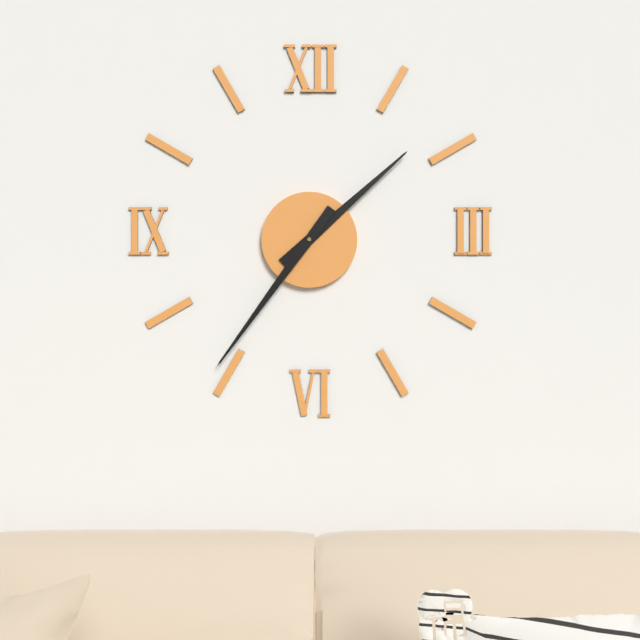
h=1 m=36
